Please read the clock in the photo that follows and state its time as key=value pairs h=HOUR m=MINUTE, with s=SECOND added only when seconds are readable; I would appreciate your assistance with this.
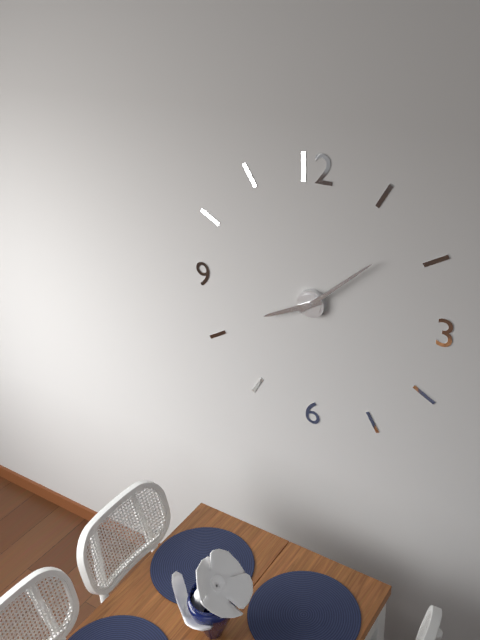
h=8 m=8
